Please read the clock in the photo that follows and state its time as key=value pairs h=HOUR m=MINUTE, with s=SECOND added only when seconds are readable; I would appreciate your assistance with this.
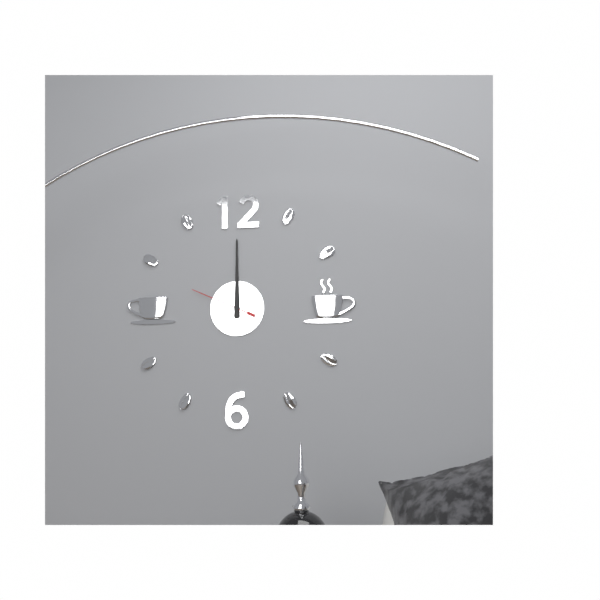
h=12 m=0 s=49
